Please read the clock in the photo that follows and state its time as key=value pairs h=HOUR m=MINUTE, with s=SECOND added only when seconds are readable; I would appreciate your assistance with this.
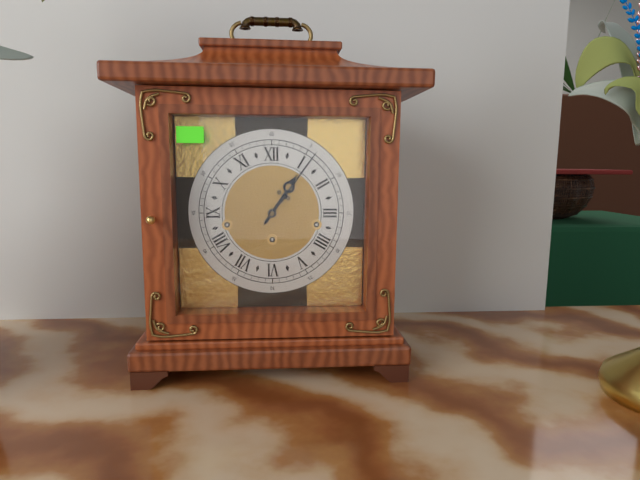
h=1 m=6
